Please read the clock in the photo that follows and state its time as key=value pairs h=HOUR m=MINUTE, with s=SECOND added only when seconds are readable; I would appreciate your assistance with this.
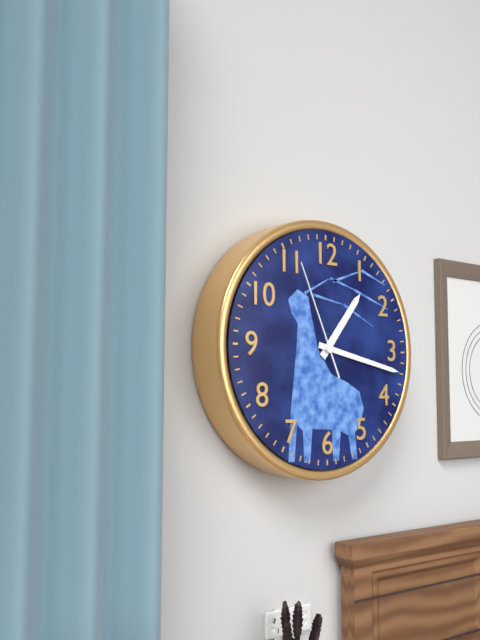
h=1 m=17 s=56
